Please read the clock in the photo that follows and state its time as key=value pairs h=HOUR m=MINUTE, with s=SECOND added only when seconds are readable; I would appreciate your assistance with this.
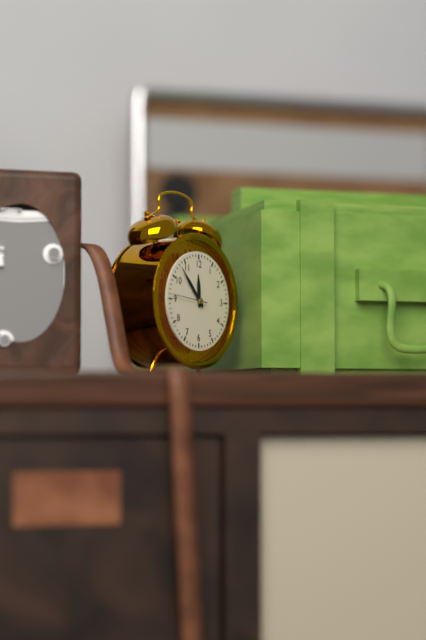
h=11 m=53
